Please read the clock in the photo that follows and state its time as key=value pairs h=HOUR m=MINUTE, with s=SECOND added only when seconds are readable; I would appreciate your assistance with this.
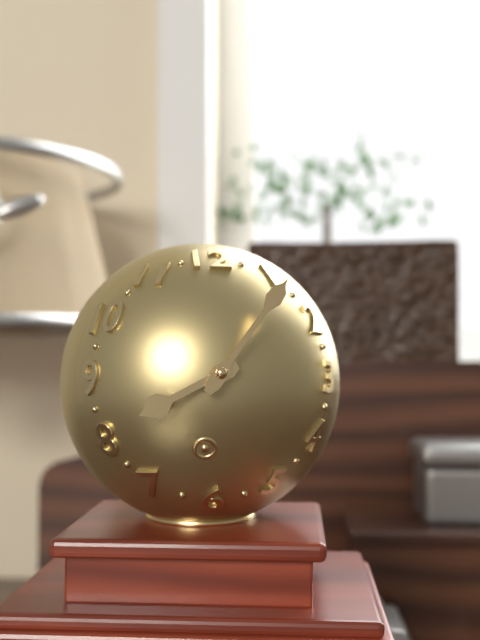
h=8 m=6
